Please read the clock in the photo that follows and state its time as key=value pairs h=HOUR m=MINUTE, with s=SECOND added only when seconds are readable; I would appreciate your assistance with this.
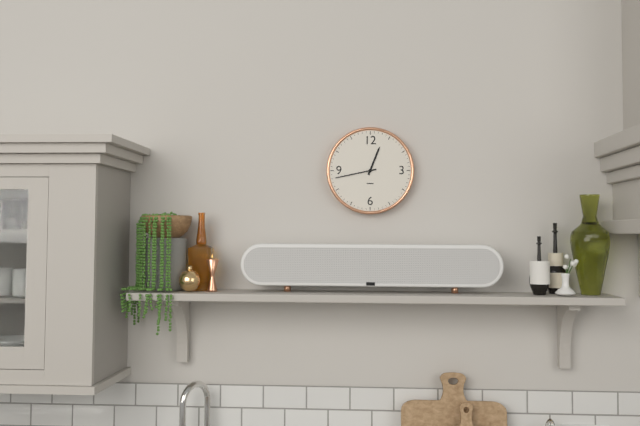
h=12 m=43
